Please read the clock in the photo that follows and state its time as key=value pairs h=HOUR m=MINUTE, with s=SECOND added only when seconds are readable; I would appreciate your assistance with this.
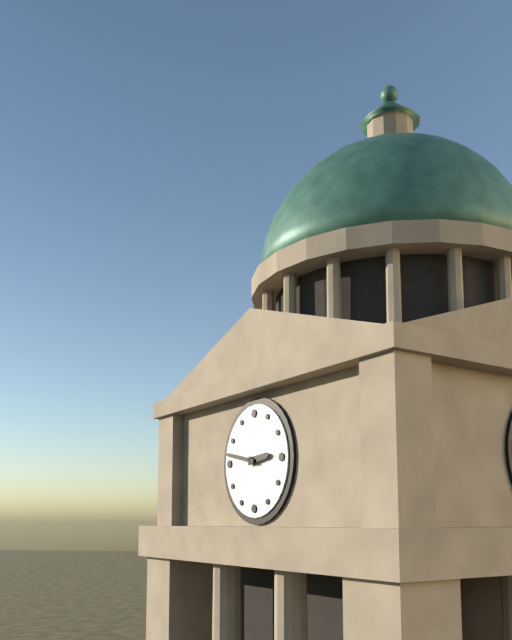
h=2 m=47
